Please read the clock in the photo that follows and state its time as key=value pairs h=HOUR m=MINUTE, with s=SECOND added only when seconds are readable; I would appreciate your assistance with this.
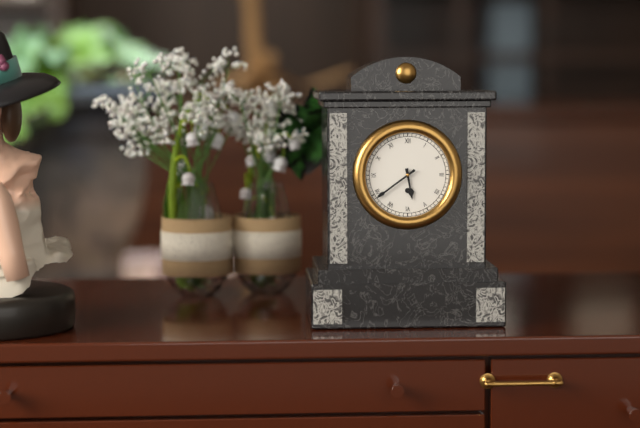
h=5 m=39
